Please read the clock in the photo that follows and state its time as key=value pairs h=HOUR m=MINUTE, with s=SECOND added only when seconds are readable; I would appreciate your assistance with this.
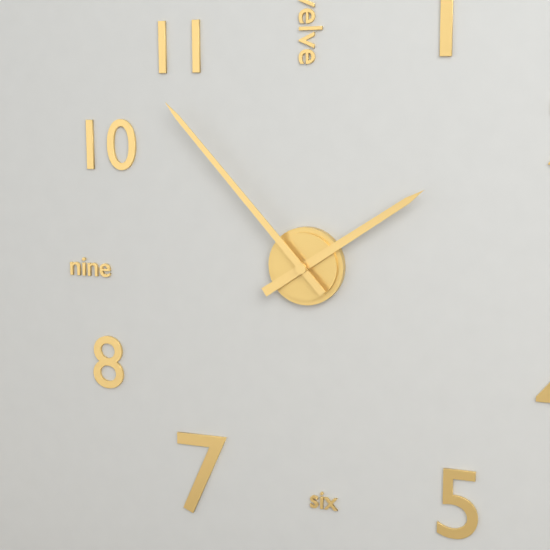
h=1 m=53
